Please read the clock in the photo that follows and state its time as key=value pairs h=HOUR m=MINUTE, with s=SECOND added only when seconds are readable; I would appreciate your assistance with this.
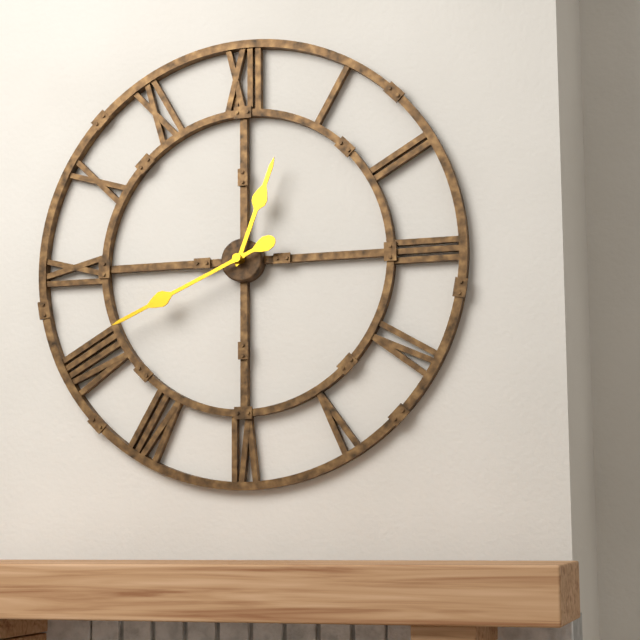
h=12 m=41
